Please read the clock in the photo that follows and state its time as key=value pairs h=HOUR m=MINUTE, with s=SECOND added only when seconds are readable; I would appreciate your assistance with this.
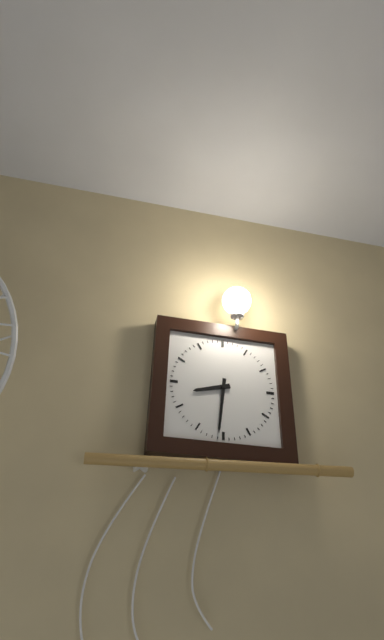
h=8 m=31
